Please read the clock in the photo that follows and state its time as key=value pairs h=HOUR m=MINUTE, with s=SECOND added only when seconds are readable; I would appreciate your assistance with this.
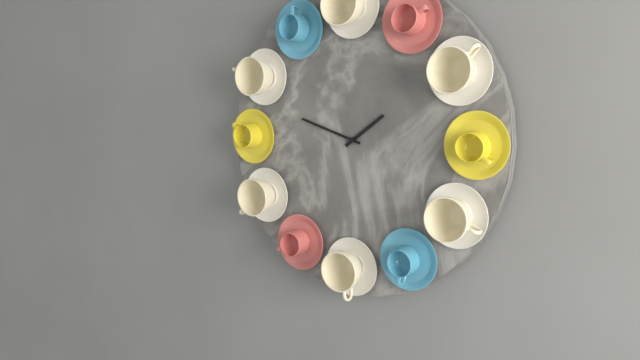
h=1 m=48
